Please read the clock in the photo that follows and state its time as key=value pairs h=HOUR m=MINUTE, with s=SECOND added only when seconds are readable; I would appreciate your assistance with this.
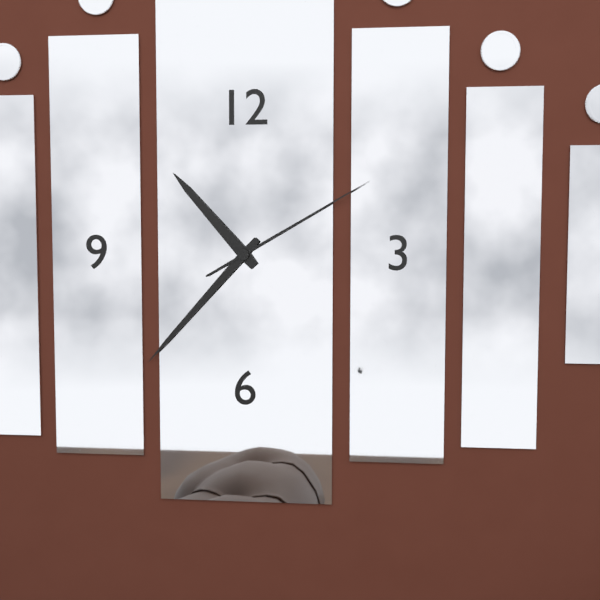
h=10 m=37 s=10
